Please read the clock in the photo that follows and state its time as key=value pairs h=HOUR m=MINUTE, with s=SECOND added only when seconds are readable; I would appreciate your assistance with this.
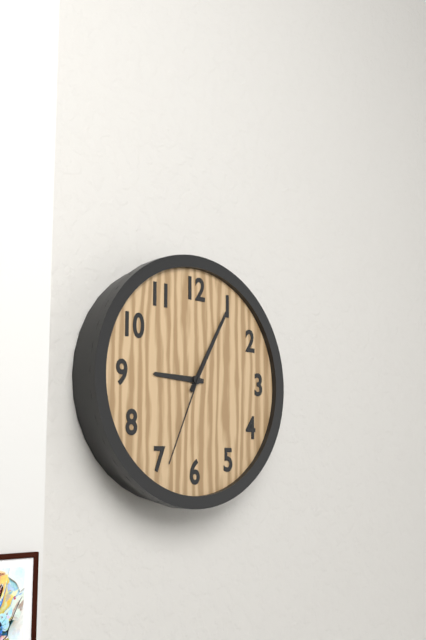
h=9 m=5 s=34
